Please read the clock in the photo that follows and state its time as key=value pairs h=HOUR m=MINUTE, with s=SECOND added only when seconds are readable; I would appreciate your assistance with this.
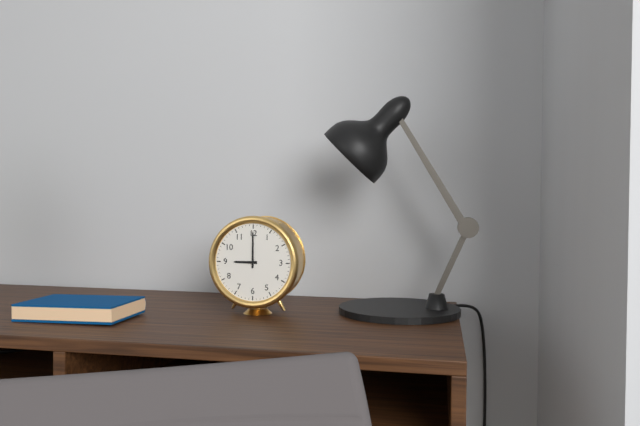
h=9 m=0
